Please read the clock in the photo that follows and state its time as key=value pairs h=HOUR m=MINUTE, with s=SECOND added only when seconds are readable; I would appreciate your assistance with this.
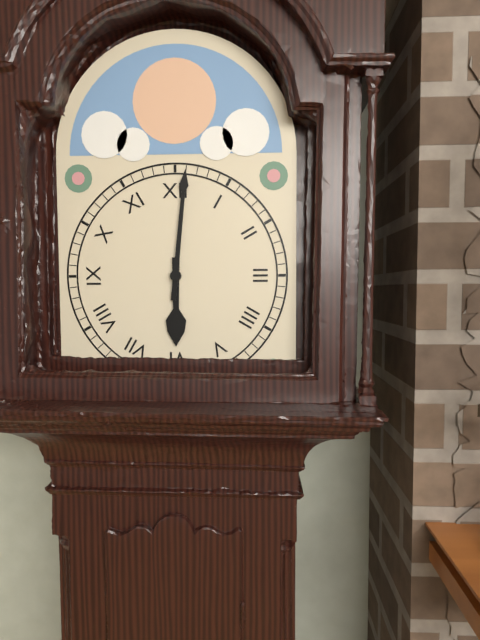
h=6 m=1
